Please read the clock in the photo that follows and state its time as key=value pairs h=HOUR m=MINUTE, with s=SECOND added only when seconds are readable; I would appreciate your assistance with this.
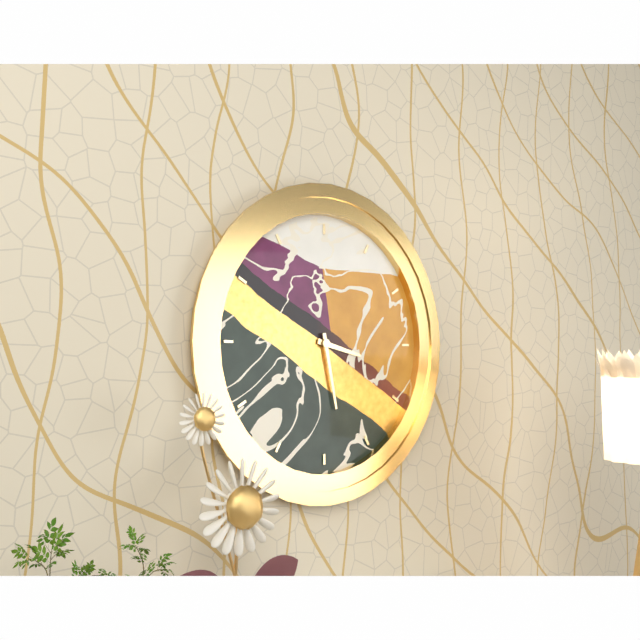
h=3 m=28
